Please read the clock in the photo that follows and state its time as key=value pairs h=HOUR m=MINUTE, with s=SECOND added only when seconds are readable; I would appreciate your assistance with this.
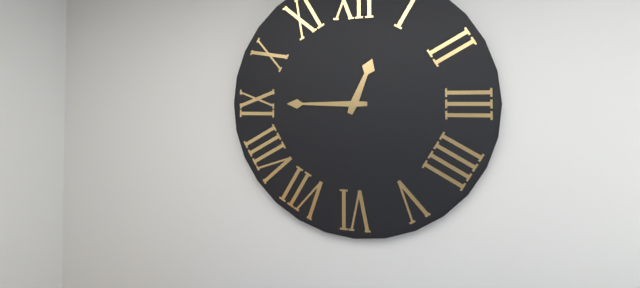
h=12 m=45
